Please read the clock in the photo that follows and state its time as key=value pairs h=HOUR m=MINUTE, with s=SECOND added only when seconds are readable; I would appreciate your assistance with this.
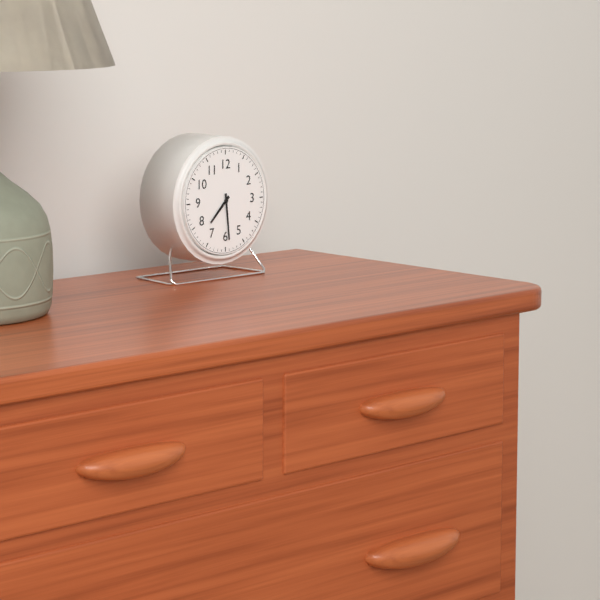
h=7 m=29
